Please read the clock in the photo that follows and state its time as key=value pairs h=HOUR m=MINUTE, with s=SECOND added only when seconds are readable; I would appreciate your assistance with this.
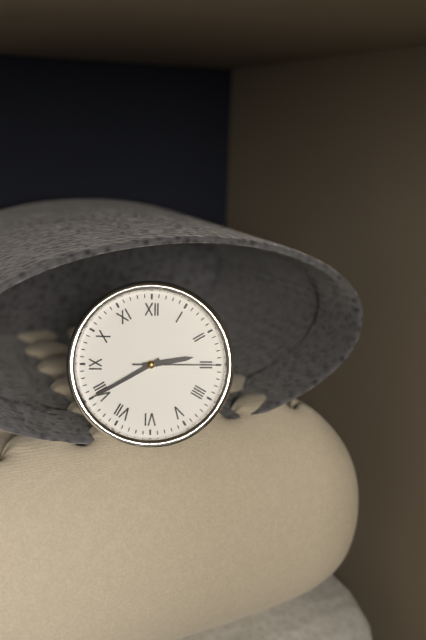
h=2 m=40 s=15
